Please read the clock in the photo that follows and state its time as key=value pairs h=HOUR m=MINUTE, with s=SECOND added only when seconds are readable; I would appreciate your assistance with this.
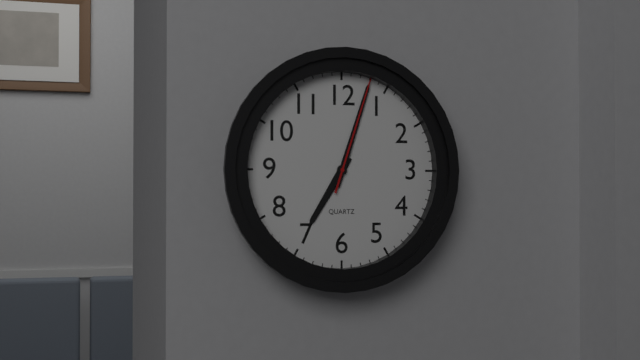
h=7 m=3 s=3
